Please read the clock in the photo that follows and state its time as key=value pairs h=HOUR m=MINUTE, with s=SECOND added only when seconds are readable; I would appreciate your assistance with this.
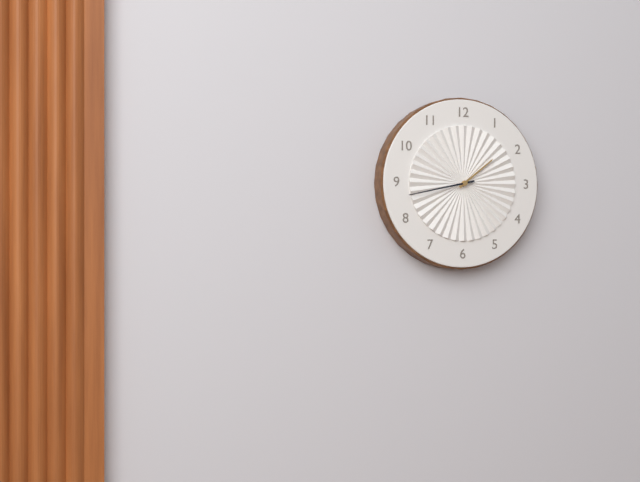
h=1 m=43
